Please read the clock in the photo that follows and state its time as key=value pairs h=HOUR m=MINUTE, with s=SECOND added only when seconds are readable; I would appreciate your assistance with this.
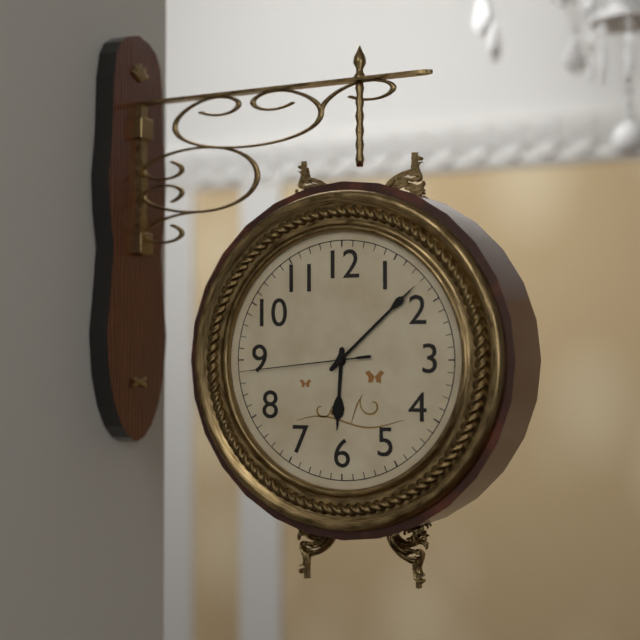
h=6 m=8 s=44
